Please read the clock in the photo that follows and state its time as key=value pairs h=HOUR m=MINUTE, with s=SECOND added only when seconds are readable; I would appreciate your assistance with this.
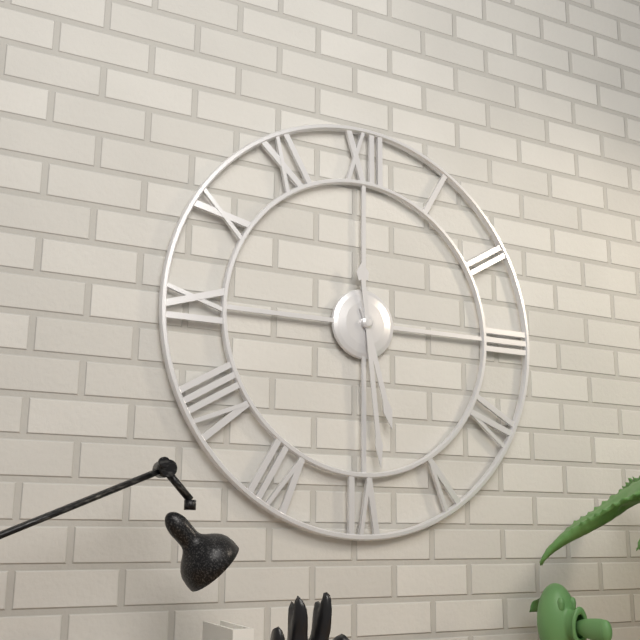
h=5 m=29
